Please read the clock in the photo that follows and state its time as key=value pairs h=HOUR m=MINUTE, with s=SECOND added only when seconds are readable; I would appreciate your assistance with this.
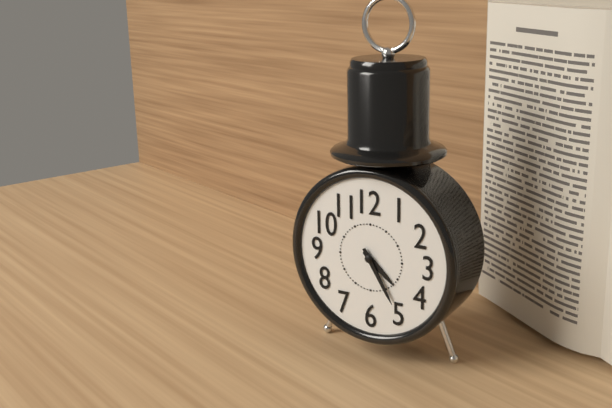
h=4 m=25
